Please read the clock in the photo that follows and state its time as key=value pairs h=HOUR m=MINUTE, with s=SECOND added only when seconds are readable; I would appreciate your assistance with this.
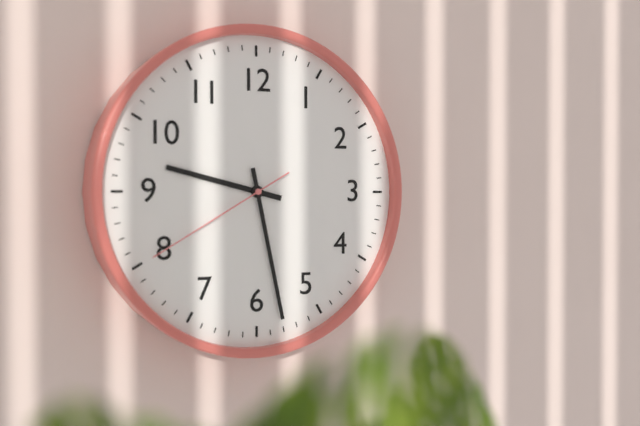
h=9 m=28 s=40
